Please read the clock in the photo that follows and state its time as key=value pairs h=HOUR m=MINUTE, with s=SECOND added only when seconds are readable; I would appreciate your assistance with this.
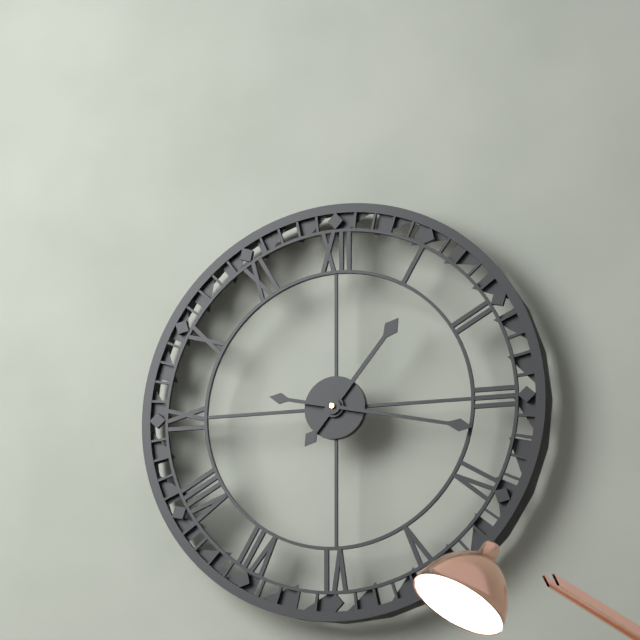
h=1 m=17
